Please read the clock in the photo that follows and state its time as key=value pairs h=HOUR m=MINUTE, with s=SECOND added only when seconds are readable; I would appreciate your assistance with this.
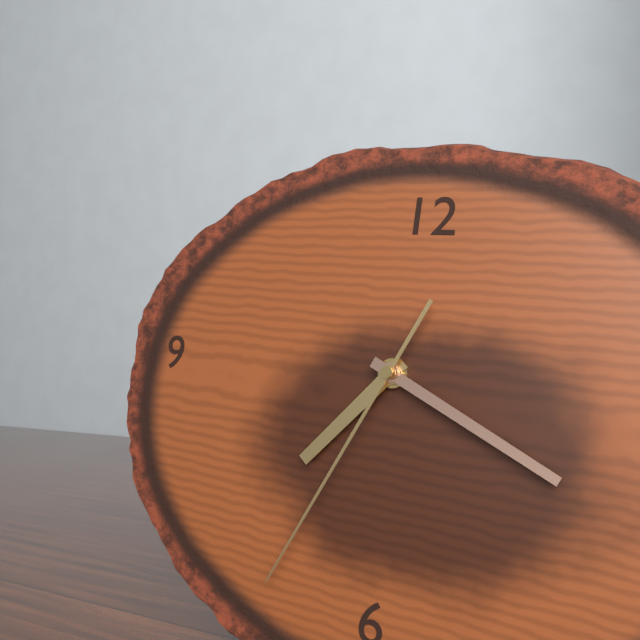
h=7 m=19 s=34
